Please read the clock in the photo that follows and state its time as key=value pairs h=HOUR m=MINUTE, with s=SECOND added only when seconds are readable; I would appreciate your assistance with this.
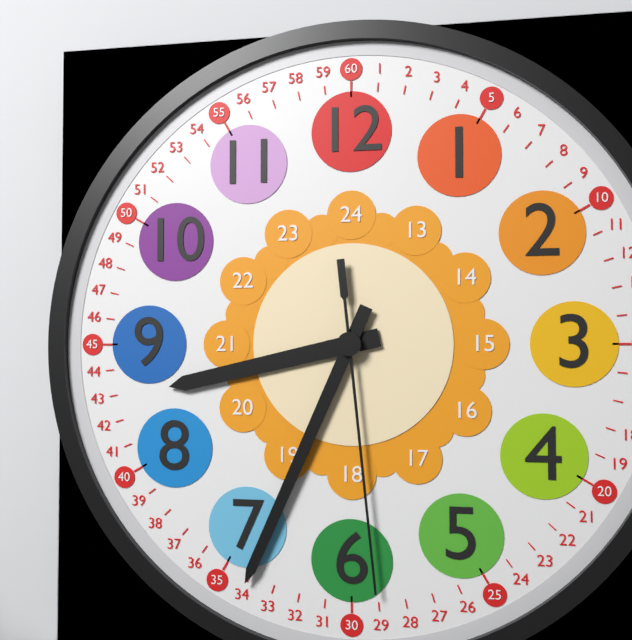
h=8 m=34 s=29
